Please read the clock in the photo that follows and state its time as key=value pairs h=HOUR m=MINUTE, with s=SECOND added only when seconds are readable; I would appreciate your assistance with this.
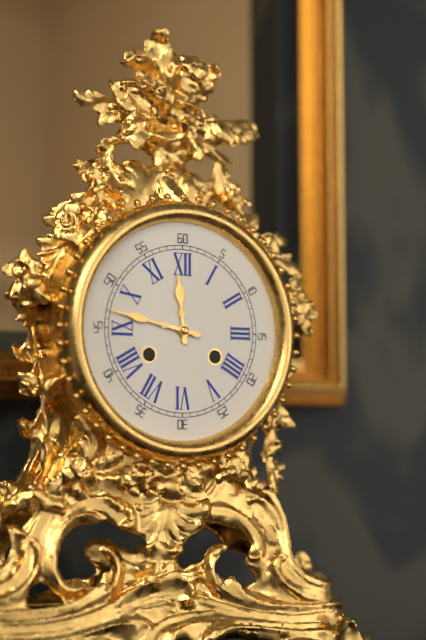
h=11 m=47
